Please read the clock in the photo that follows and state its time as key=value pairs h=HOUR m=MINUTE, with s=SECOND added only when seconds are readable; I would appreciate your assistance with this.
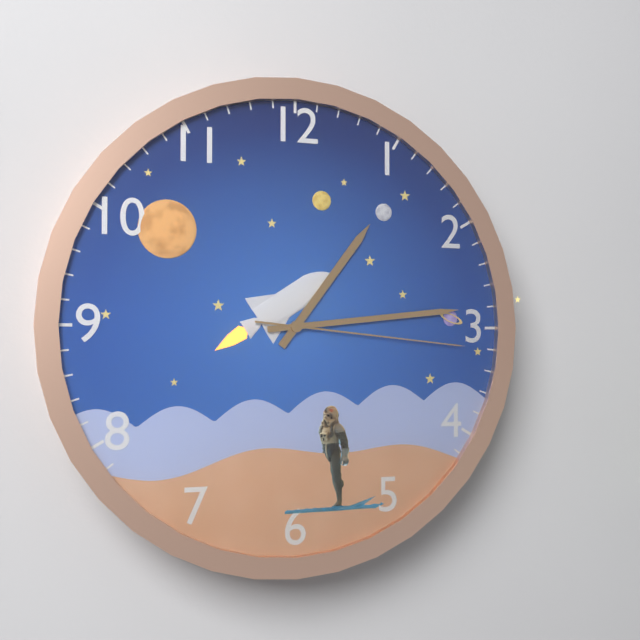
h=1 m=14 s=16
